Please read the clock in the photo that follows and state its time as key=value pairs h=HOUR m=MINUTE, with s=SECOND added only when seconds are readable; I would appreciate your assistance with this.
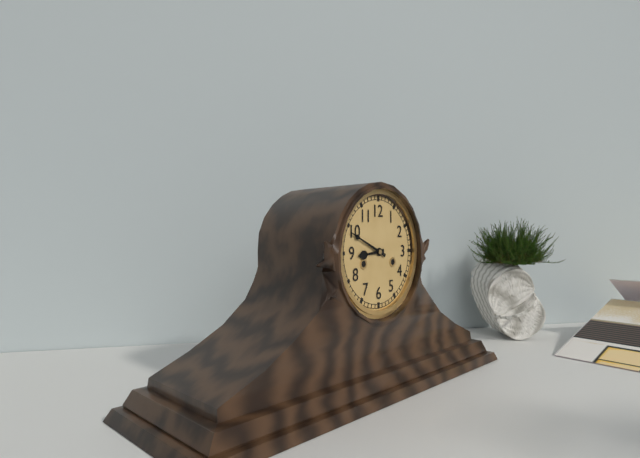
h=8 m=49
